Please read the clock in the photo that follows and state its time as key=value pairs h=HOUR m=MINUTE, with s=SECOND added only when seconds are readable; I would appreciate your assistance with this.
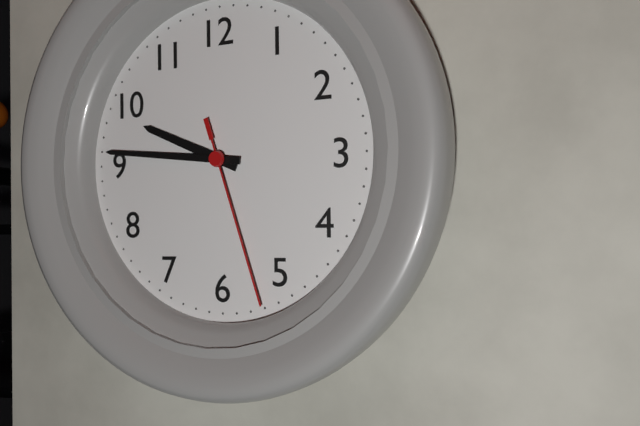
h=9 m=46 s=27
